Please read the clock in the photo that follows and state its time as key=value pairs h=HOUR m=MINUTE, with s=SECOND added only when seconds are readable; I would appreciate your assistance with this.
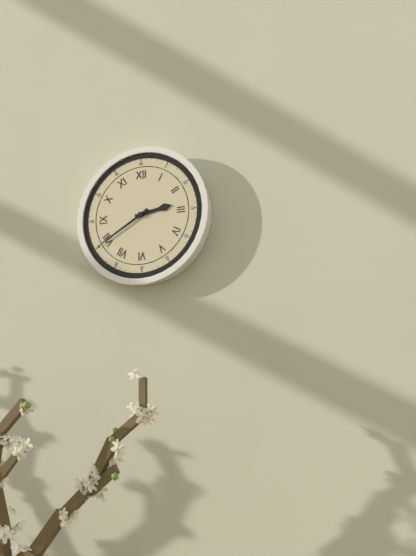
h=2 m=40
